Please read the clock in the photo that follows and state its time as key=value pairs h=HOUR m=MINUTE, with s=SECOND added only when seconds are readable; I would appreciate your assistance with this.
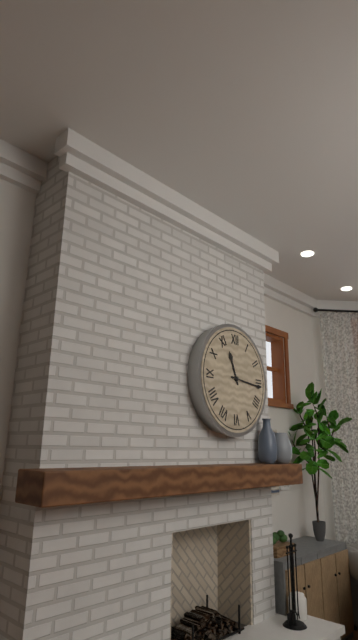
h=11 m=16
